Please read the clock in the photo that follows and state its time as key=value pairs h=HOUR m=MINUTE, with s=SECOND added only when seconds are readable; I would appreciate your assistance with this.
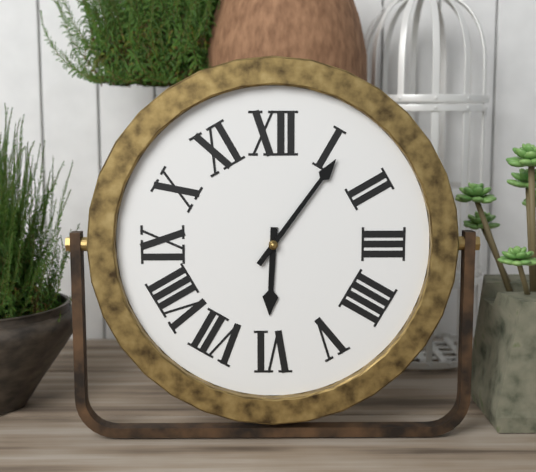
h=6 m=6
